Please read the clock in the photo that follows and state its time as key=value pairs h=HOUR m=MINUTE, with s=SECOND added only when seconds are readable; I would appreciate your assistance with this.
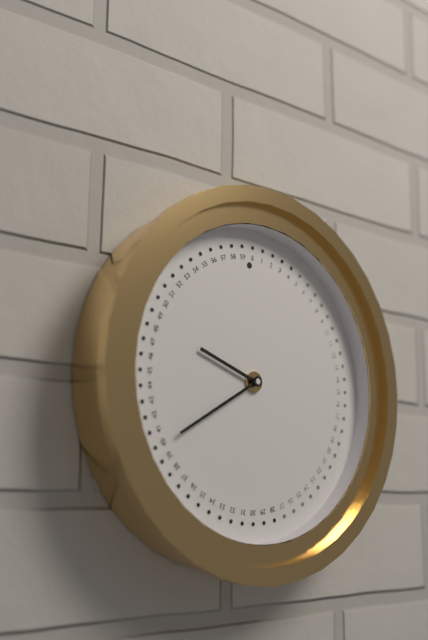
h=9 m=40
